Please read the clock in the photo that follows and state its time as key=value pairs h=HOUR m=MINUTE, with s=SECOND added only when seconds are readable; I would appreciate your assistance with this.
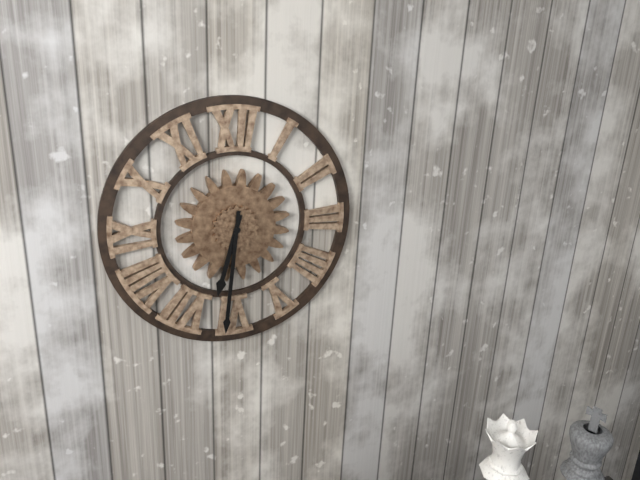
h=6 m=31
